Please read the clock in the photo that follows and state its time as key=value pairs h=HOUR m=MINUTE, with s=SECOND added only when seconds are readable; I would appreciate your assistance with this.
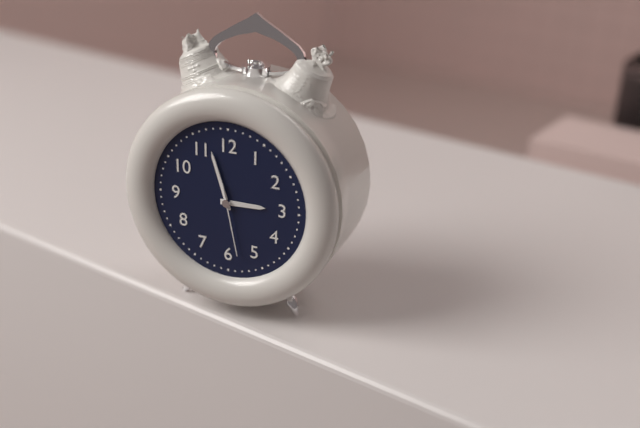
h=2 m=57 s=28
